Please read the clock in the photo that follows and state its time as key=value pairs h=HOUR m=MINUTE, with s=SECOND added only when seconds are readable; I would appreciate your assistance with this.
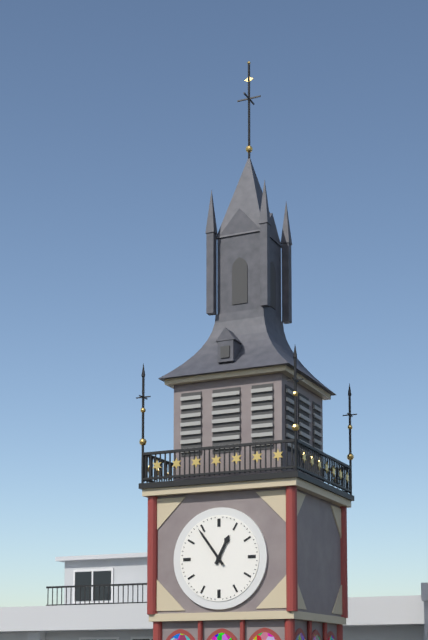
h=12 m=54
